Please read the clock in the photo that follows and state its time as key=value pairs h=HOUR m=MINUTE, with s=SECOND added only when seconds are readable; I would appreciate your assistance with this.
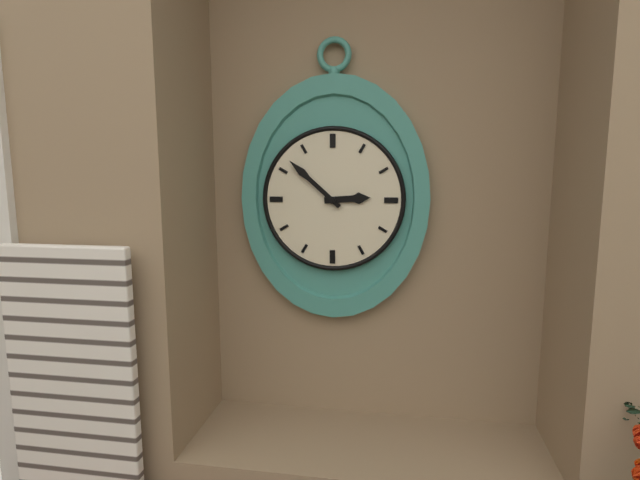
h=2 m=52
